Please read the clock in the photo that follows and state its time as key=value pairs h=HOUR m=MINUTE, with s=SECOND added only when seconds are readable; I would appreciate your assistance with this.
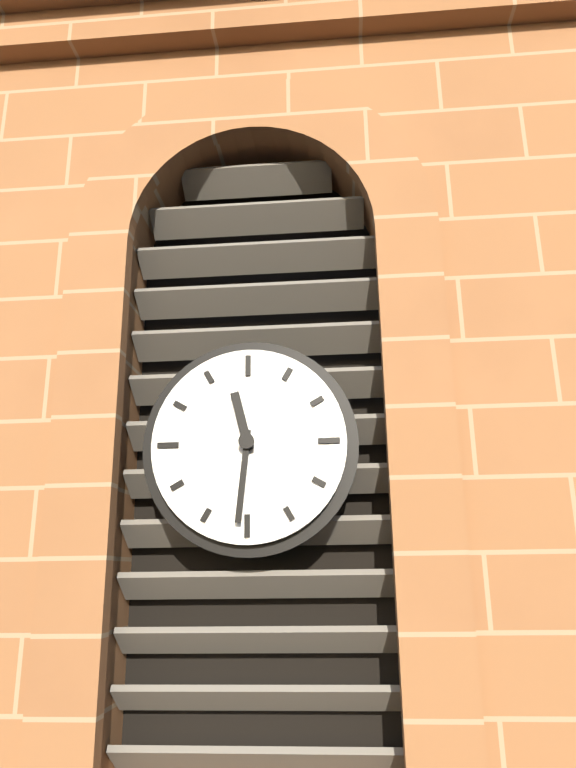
h=11 m=31
